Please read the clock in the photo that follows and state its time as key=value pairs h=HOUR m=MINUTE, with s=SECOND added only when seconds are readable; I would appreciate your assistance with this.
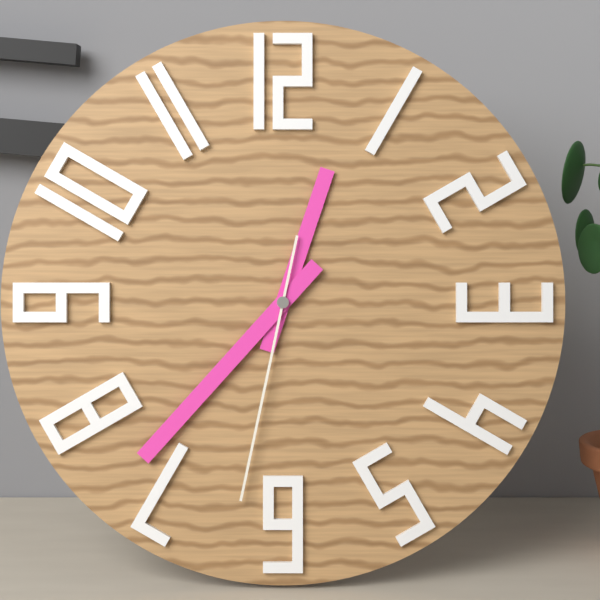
h=12 m=37 s=32
